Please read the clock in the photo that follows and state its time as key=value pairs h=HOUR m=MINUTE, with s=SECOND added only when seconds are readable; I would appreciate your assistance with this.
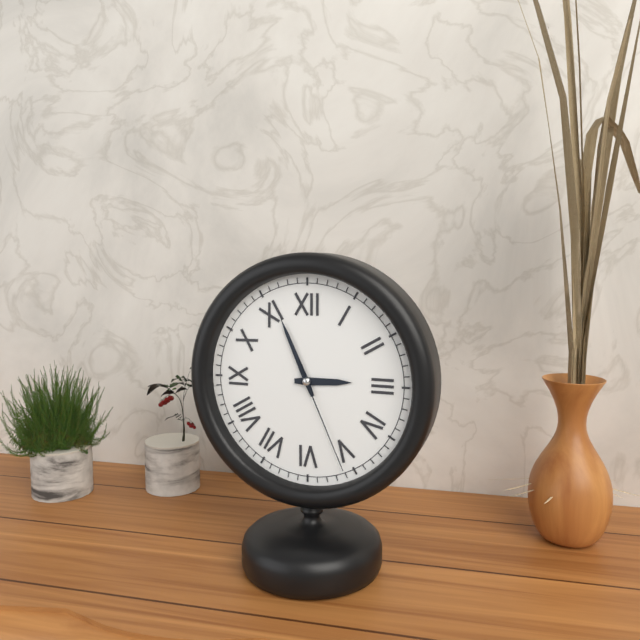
h=2 m=56 s=26
